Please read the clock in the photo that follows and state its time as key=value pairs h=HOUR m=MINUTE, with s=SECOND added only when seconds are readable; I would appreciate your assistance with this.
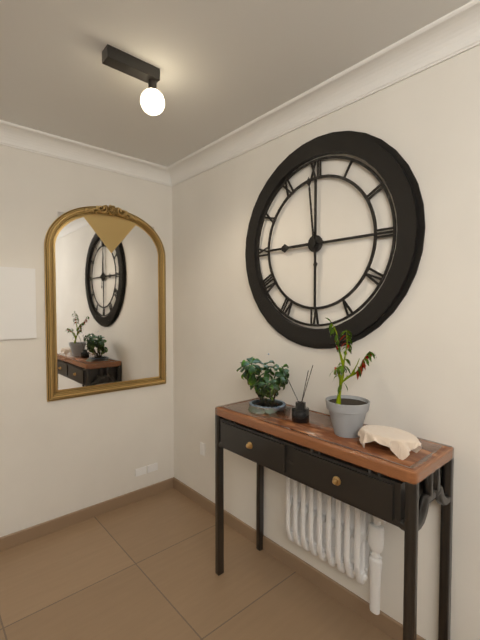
h=8 m=59
